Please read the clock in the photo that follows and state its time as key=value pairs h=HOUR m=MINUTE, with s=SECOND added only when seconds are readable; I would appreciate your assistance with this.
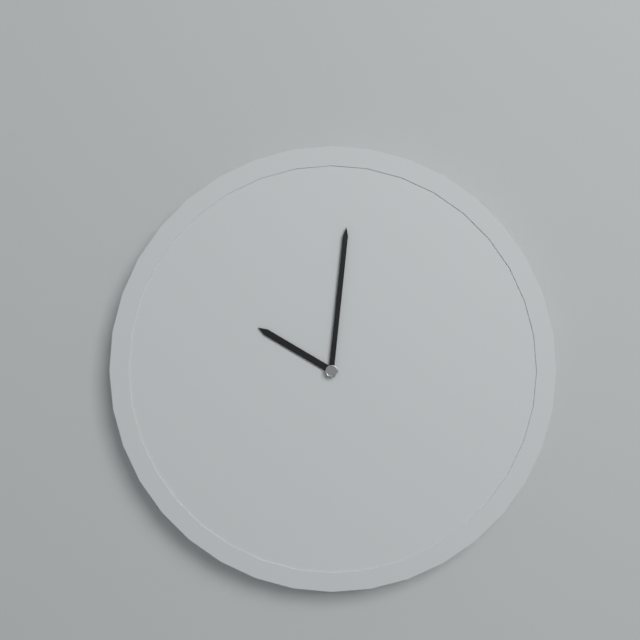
h=10 m=1
